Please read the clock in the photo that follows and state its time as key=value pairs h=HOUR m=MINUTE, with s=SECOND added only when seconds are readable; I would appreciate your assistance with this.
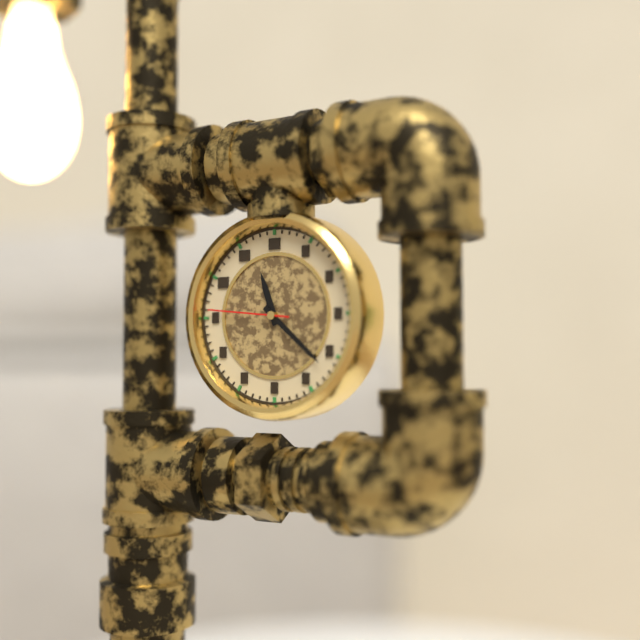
h=11 m=22 s=46
